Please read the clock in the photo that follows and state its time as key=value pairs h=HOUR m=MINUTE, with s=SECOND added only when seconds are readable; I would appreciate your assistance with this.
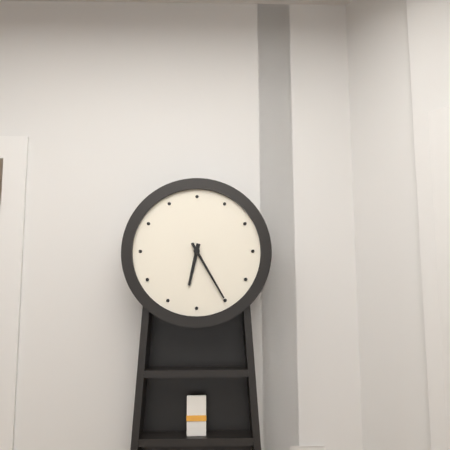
h=6 m=25
